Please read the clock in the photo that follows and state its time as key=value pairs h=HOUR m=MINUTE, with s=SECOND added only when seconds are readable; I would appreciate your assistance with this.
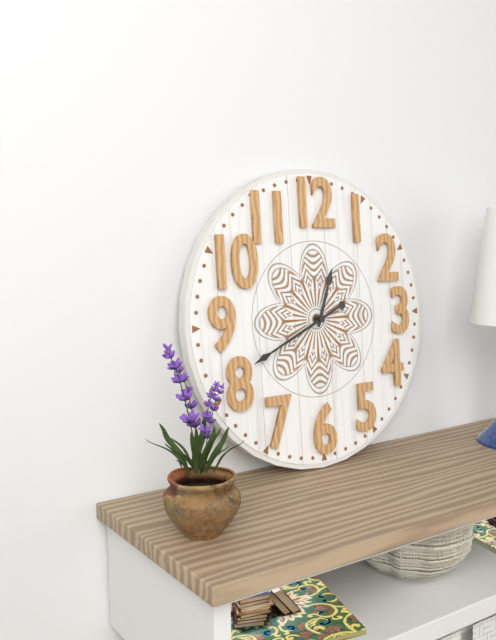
h=12 m=41
